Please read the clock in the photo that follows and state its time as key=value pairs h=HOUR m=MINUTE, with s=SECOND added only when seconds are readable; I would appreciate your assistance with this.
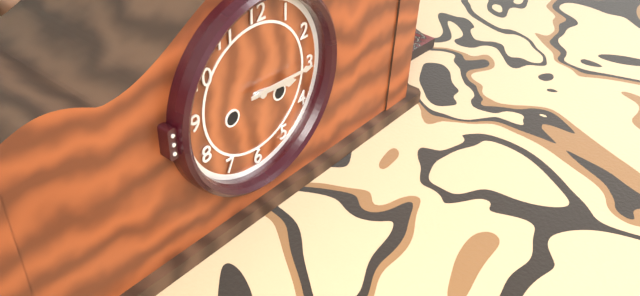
h=3 m=15
